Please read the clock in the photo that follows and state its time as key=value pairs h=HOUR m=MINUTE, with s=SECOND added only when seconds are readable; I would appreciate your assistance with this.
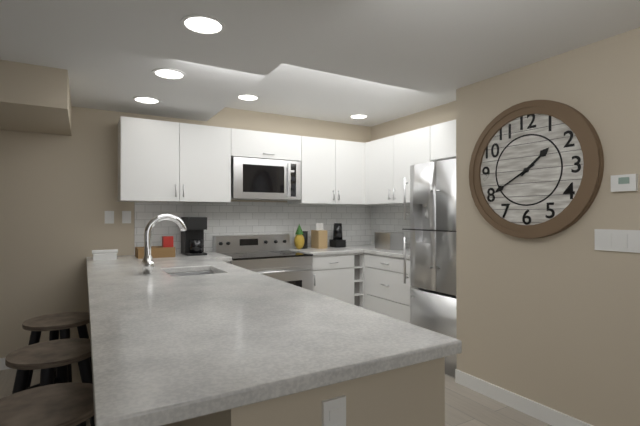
h=1 m=40
